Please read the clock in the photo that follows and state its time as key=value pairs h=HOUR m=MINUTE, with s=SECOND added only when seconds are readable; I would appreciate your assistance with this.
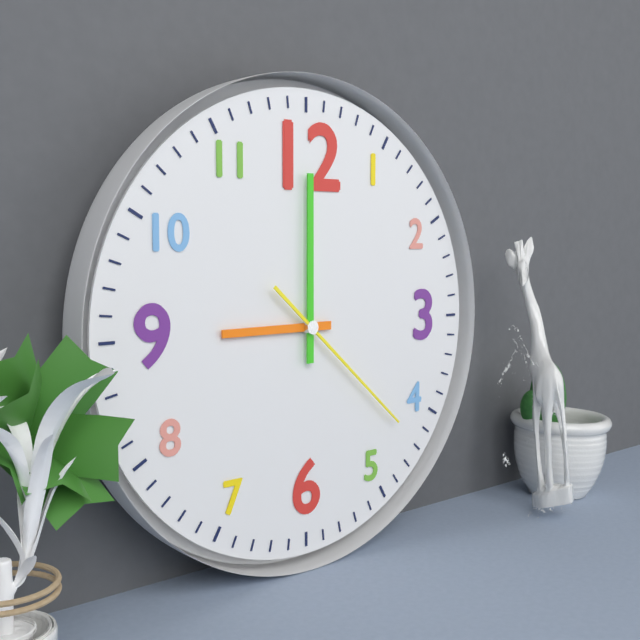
h=9 m=0 s=22
